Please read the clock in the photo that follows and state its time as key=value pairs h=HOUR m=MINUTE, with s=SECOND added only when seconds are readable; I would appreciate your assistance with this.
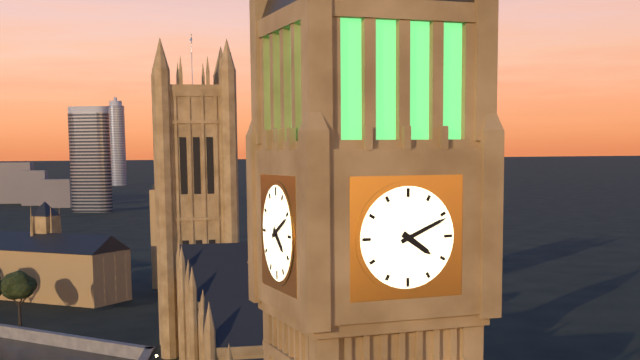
h=4 m=11
